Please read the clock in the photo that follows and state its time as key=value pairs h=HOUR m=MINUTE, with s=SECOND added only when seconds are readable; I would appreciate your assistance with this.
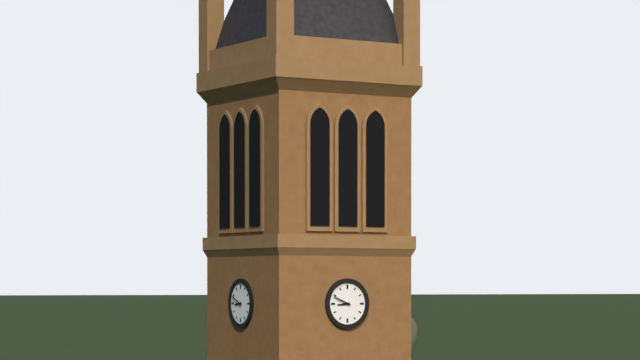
h=8 m=49
